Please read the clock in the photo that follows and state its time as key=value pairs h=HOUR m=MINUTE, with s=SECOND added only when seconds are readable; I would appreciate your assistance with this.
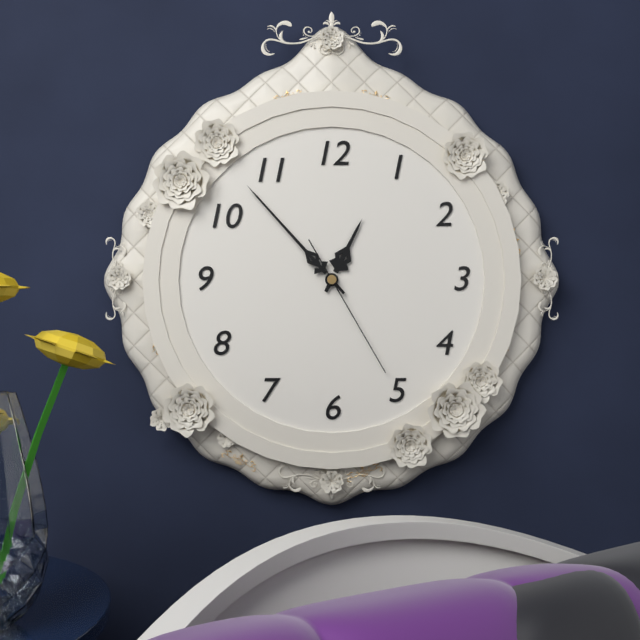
h=12 m=53 s=25
